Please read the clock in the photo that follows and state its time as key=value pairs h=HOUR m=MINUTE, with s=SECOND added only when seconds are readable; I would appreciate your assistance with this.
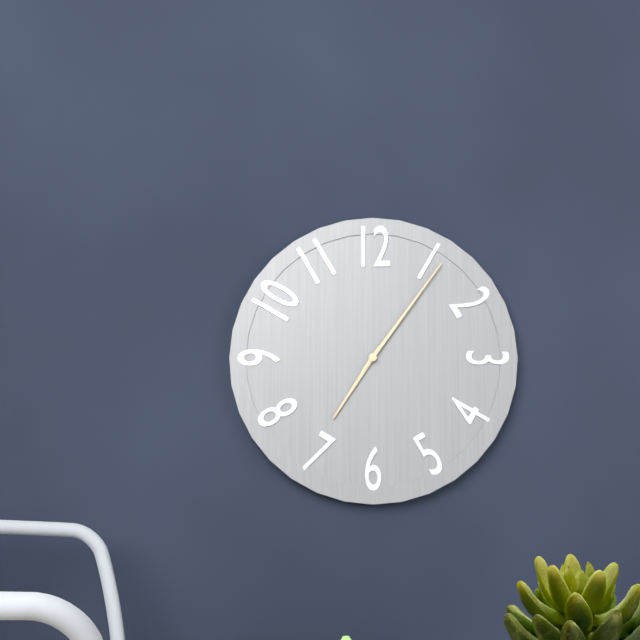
h=7 m=6
